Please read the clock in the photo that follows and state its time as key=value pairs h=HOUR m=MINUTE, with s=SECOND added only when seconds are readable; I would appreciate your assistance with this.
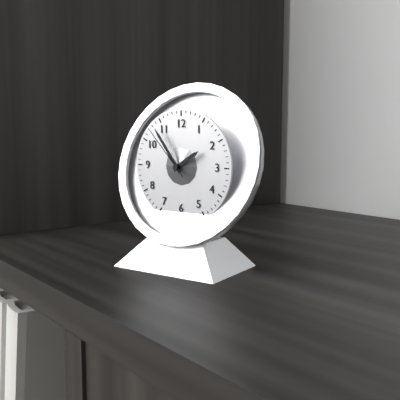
h=1 m=54 s=53
